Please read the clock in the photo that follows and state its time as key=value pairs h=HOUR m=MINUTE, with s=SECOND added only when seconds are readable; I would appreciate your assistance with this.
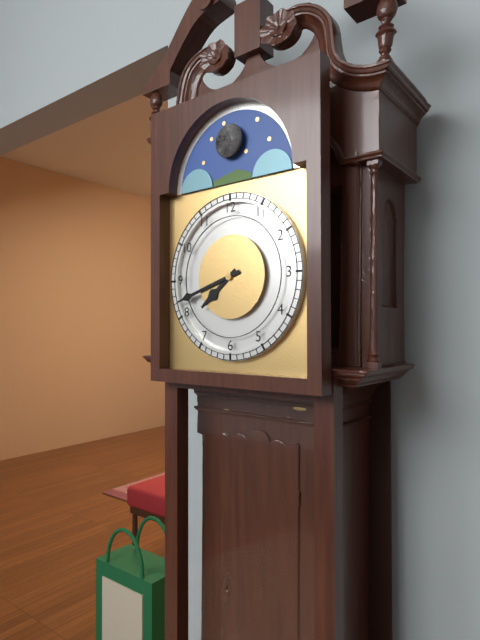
h=7 m=42
